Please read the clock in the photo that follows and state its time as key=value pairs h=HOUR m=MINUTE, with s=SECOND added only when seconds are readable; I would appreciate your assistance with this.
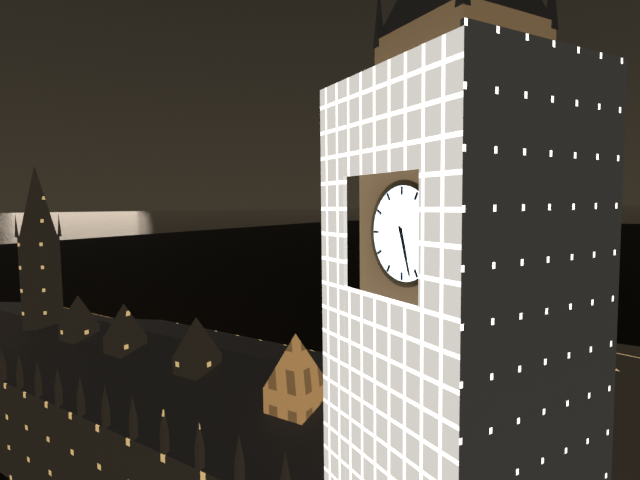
h=5 m=27
